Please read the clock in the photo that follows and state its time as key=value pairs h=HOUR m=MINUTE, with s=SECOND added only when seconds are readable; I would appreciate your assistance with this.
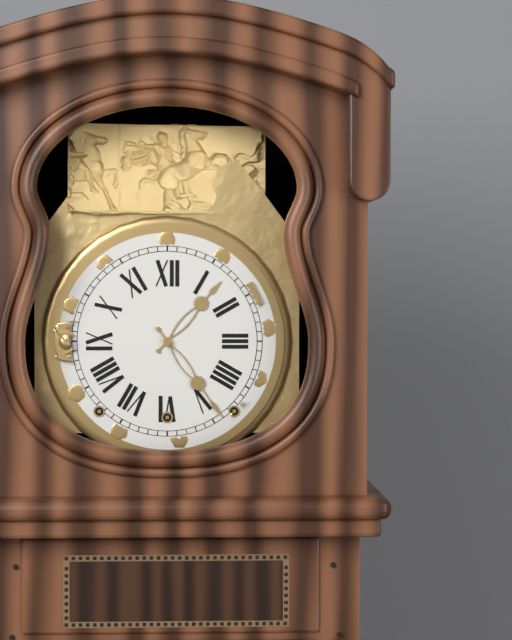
h=1 m=24
